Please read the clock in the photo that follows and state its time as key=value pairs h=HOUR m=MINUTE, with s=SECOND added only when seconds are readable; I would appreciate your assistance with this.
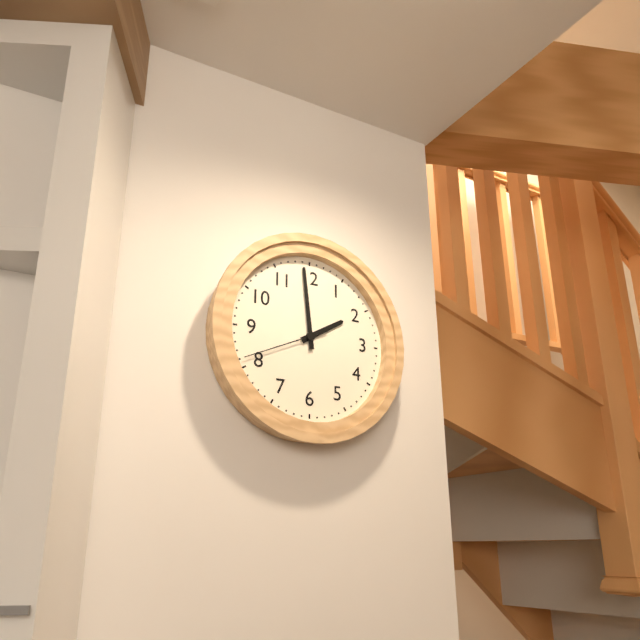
h=1 m=59 s=41
